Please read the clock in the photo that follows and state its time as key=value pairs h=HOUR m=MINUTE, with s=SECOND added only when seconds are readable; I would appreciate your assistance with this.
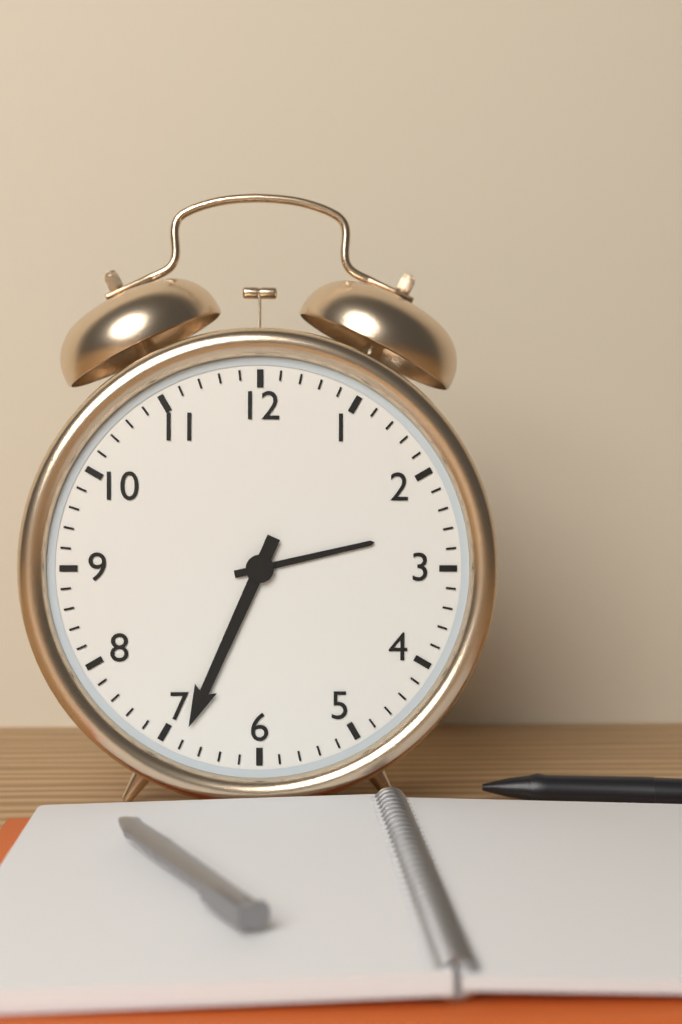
h=2 m=34
